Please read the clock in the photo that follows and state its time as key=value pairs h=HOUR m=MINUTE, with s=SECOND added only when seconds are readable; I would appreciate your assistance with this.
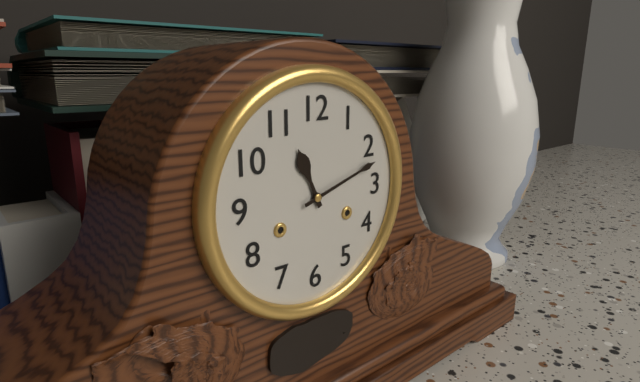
h=11 m=12
